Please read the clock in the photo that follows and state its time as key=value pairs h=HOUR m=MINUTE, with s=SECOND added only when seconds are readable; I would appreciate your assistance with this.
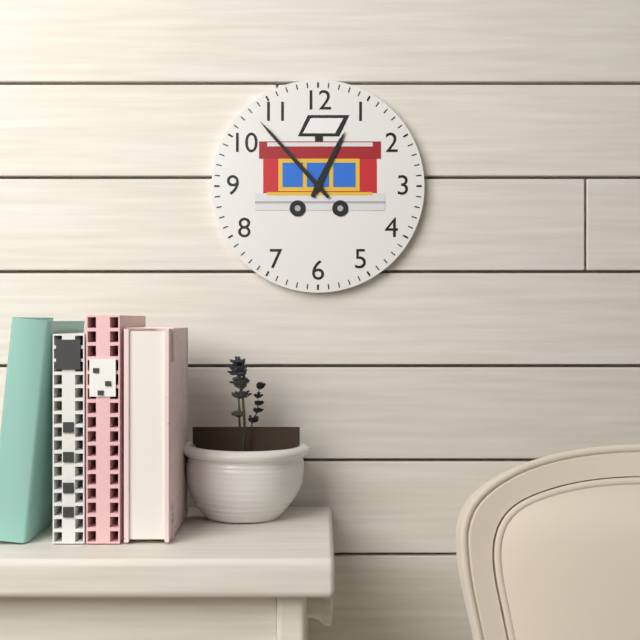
h=12 m=53
